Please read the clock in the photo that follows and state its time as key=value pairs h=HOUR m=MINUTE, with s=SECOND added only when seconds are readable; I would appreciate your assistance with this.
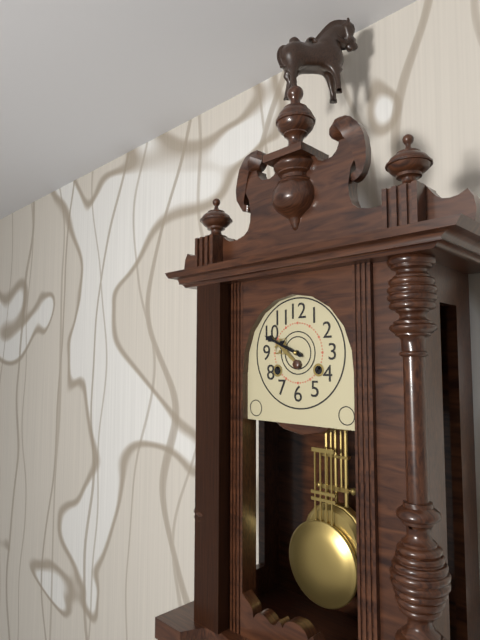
h=9 m=49
